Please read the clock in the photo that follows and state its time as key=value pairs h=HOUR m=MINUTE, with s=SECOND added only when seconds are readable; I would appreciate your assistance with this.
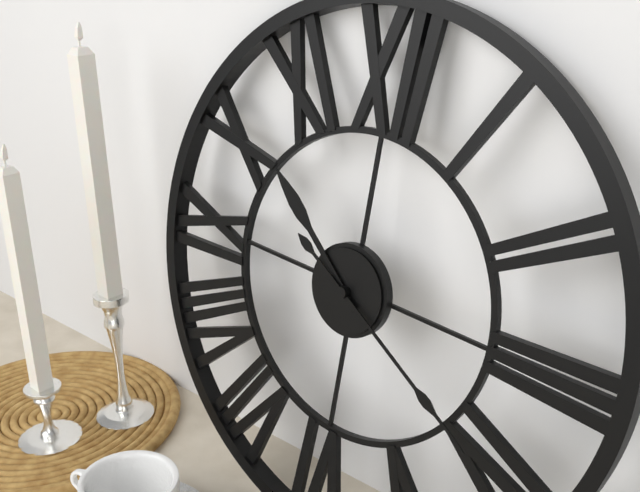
h=10 m=20
